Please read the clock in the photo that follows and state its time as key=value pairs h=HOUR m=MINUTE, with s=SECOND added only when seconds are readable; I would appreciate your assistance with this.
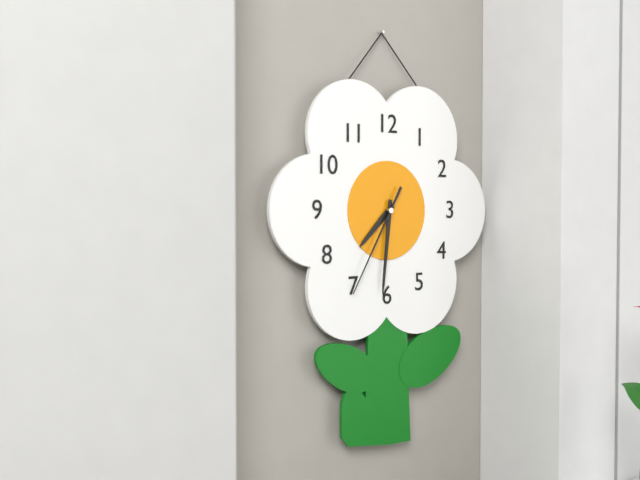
h=7 m=31 s=35
